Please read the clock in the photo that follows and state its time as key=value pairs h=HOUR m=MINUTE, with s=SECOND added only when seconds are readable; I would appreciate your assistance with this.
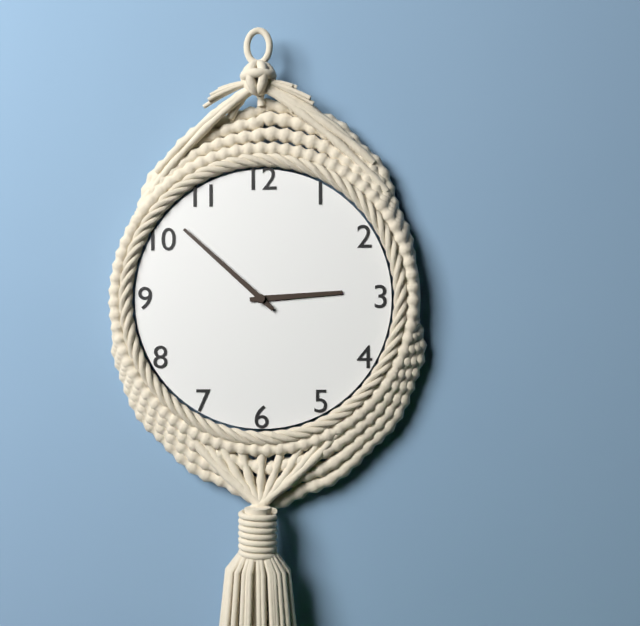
h=2 m=52
